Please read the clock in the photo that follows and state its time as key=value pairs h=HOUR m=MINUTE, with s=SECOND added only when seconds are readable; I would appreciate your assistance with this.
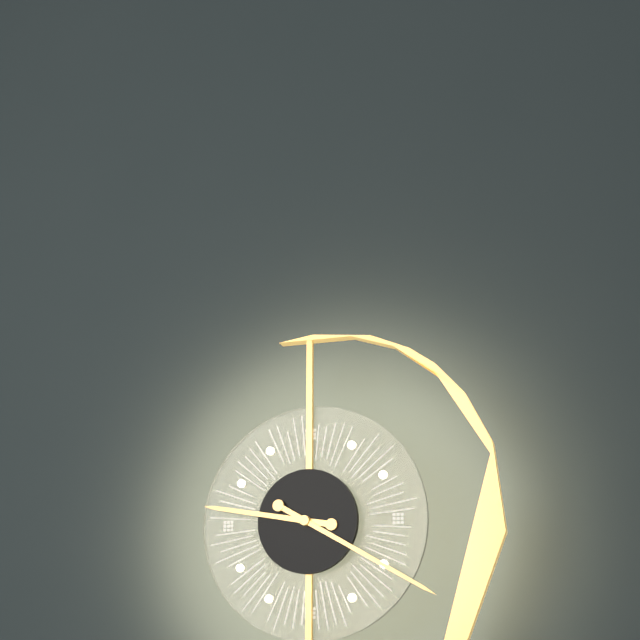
h=9 m=20
